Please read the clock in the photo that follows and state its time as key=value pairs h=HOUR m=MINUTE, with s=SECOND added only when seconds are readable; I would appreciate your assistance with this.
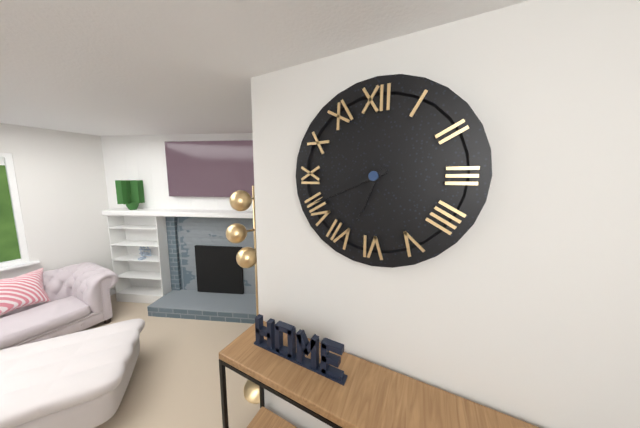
h=6 m=41
